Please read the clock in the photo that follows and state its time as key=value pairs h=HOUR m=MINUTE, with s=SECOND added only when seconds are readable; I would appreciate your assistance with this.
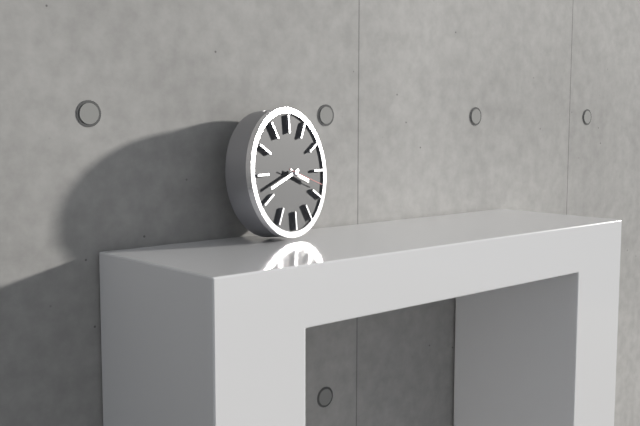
h=3 m=42
